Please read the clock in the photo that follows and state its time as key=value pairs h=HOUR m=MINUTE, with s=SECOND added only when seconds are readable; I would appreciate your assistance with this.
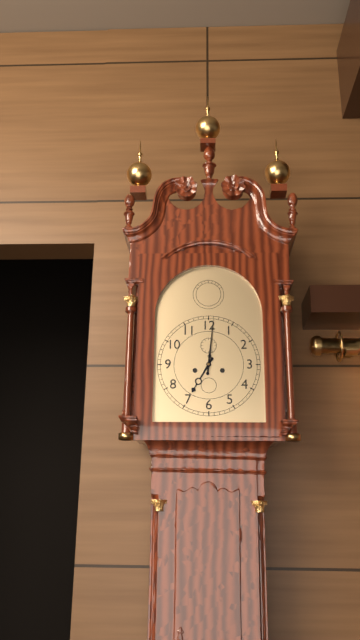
h=7 m=1
